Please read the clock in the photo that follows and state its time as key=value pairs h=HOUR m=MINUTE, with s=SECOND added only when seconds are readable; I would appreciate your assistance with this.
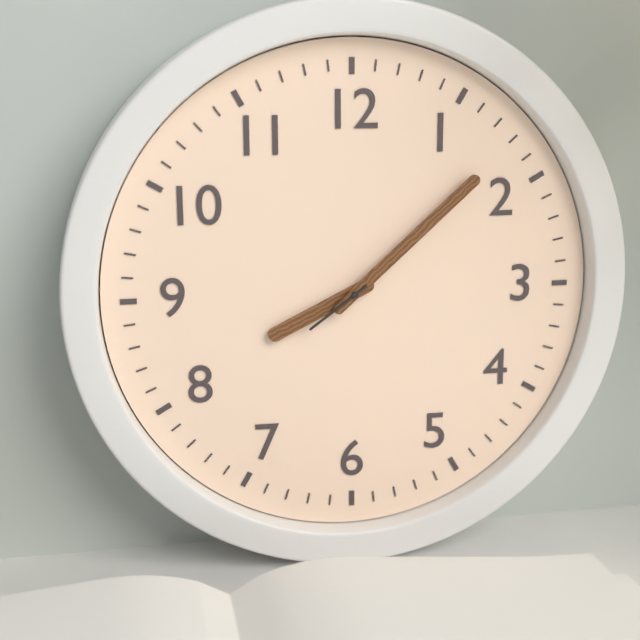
h=8 m=8 s=39
